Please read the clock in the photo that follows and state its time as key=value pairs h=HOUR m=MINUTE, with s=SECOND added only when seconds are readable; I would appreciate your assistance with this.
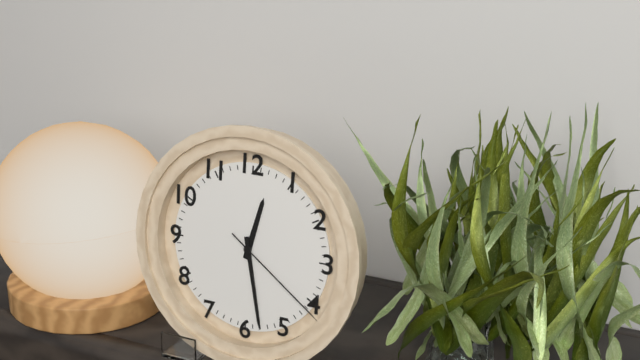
h=12 m=28 s=21
